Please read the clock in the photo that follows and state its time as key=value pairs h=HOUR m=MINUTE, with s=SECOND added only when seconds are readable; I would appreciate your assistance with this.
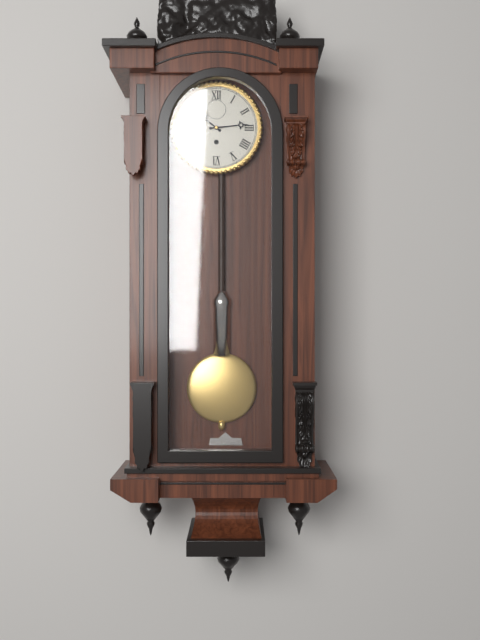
h=10 m=14
